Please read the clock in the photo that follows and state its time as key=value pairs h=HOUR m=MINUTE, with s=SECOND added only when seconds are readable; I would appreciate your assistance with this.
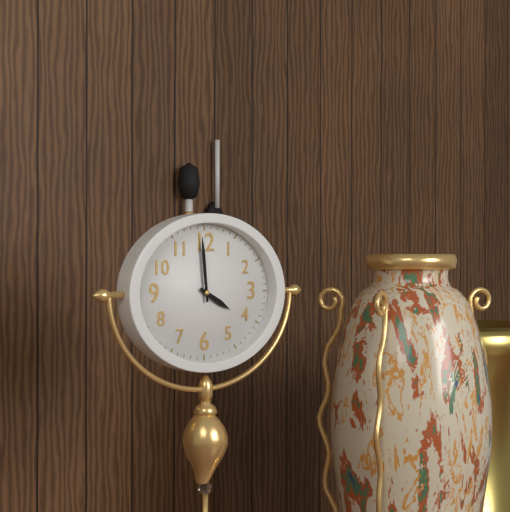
h=3 m=59
